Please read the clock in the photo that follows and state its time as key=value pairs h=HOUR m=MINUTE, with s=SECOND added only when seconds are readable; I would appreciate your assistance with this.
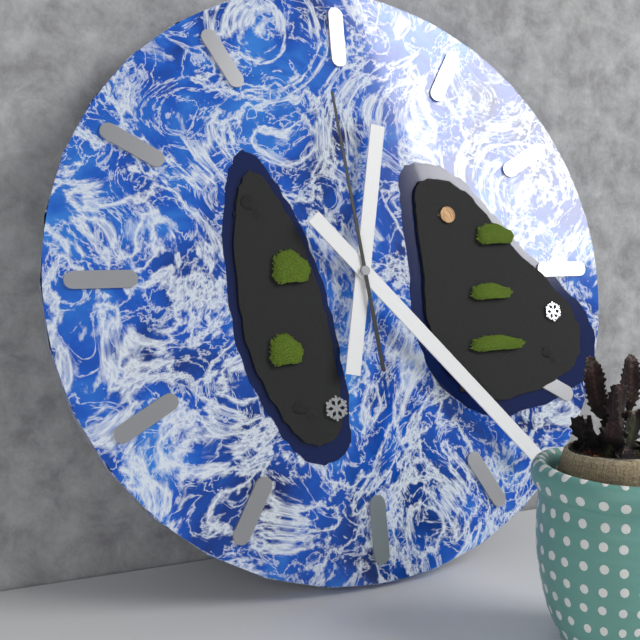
h=12 m=23 s=59
